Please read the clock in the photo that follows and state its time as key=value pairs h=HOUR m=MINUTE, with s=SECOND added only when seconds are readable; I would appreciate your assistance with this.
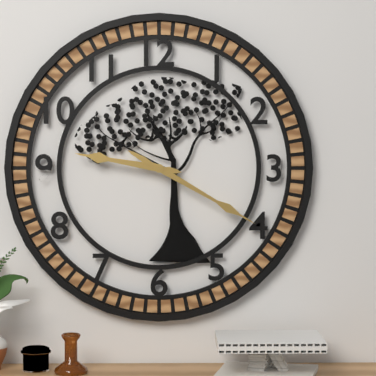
h=9 m=20
